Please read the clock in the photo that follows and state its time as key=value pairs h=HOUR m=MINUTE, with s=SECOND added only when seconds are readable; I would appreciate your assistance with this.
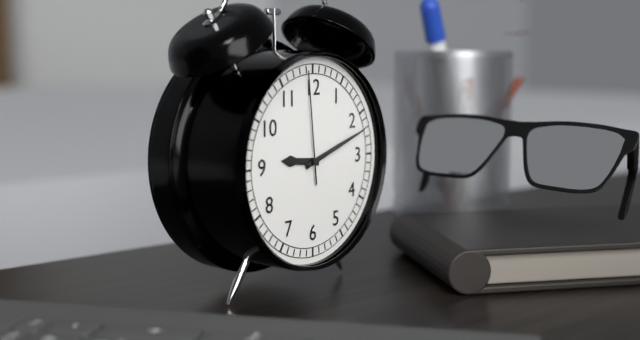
h=9 m=12 s=59
